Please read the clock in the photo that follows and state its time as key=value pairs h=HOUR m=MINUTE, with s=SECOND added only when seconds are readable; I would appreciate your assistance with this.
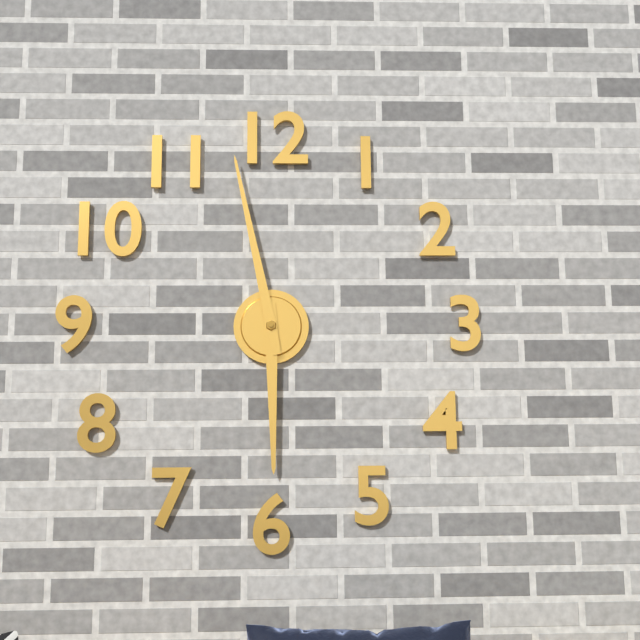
h=5 m=58
